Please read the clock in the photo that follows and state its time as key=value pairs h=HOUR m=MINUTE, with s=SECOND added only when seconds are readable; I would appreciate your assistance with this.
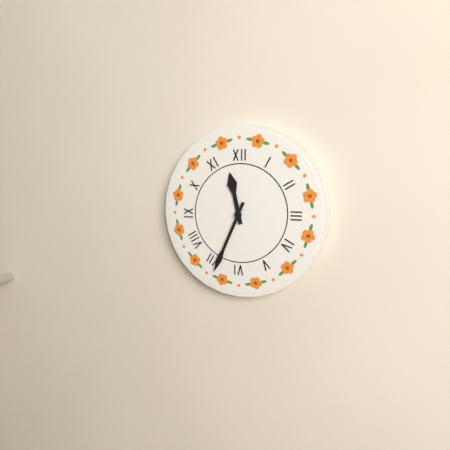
h=11 m=34
